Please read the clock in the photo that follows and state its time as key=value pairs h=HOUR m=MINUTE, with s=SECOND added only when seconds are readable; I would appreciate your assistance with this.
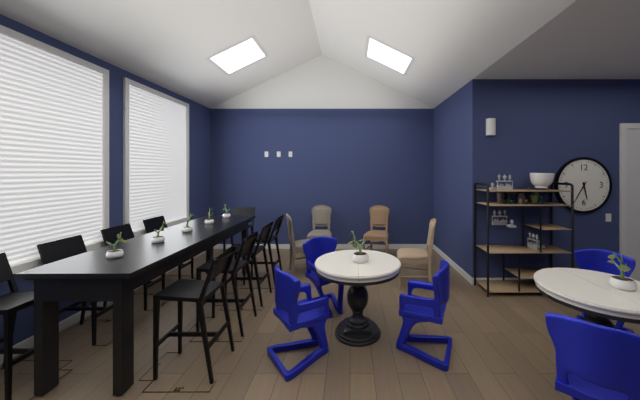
h=5 m=35
